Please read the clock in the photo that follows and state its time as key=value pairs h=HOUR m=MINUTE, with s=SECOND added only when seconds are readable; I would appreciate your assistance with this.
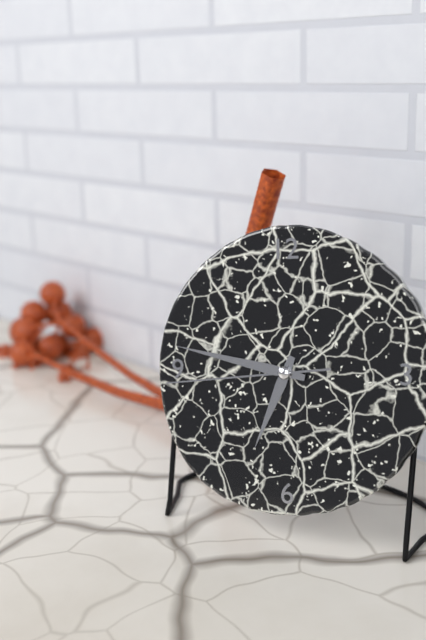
h=6 m=47 s=44
